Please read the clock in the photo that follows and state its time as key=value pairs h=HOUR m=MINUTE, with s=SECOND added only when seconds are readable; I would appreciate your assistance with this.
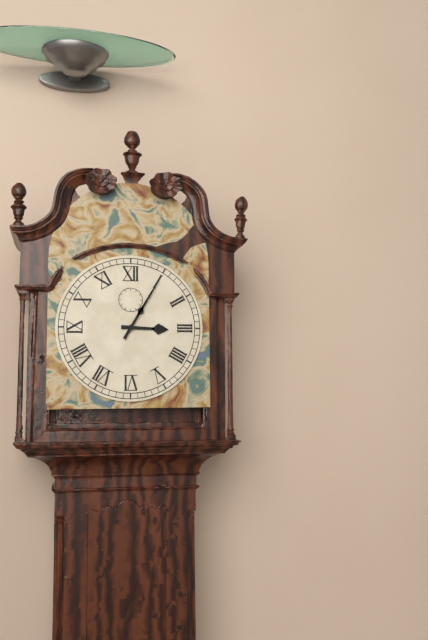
h=3 m=5
